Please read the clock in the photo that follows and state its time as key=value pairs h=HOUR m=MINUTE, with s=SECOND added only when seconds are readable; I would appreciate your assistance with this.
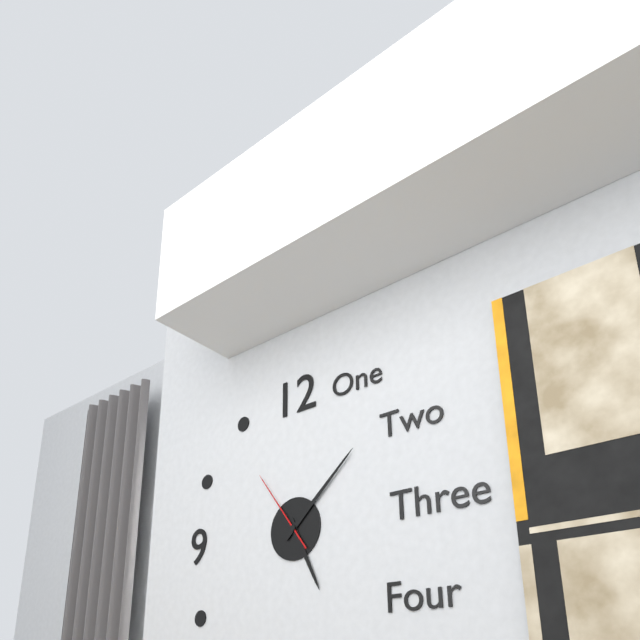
h=5 m=8 s=54
